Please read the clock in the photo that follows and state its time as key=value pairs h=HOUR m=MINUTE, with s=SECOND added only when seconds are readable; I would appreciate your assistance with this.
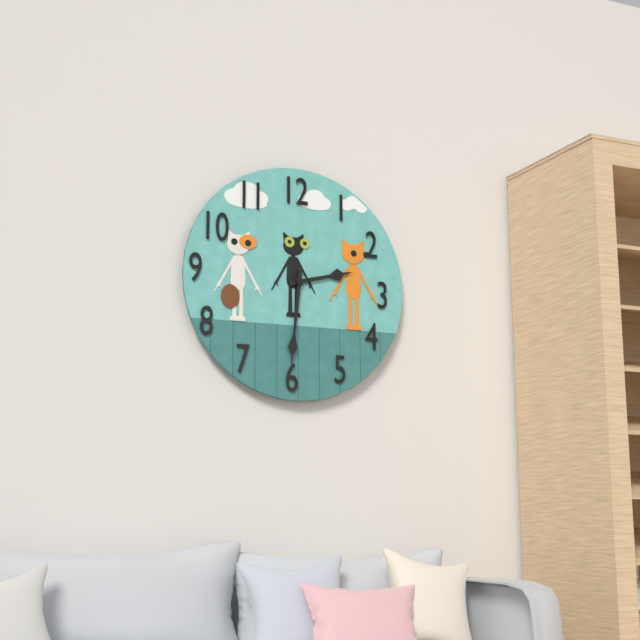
h=2 m=31
